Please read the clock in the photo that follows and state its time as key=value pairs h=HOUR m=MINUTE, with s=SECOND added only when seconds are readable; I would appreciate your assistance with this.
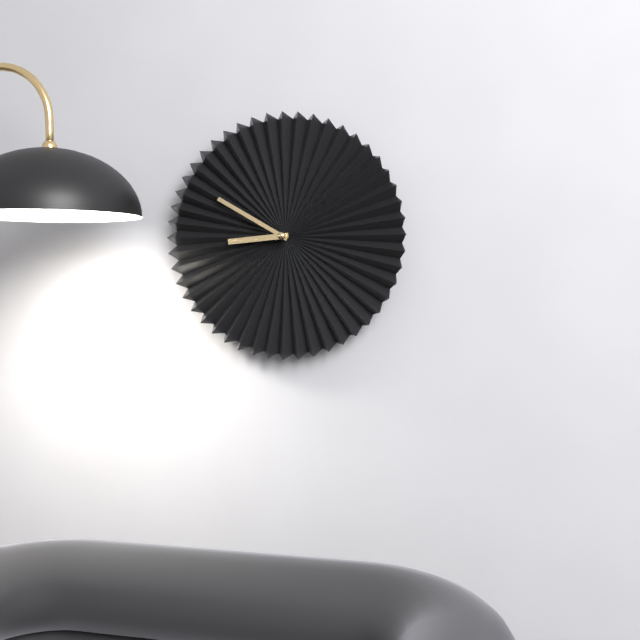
h=8 m=50
